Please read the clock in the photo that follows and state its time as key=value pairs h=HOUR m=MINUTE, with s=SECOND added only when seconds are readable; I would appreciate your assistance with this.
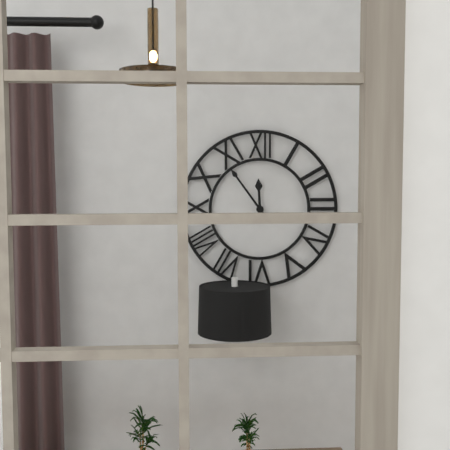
h=11 m=54
